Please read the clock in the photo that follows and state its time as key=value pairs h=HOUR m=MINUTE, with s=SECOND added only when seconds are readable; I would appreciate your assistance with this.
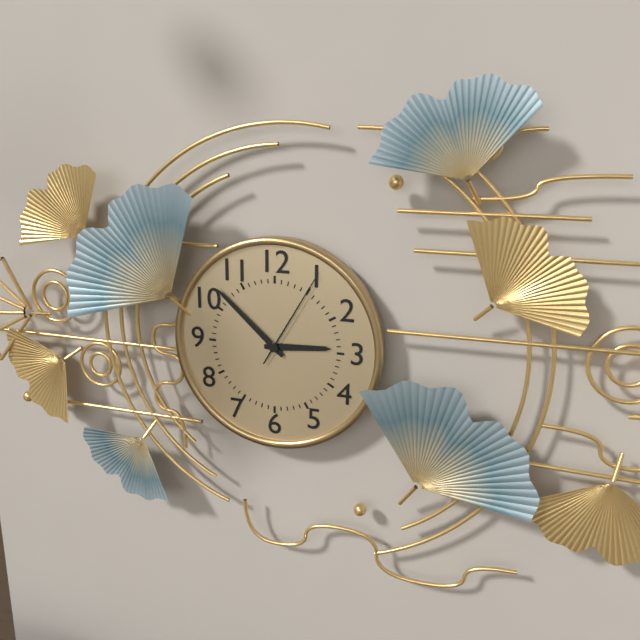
h=2 m=52 s=5
